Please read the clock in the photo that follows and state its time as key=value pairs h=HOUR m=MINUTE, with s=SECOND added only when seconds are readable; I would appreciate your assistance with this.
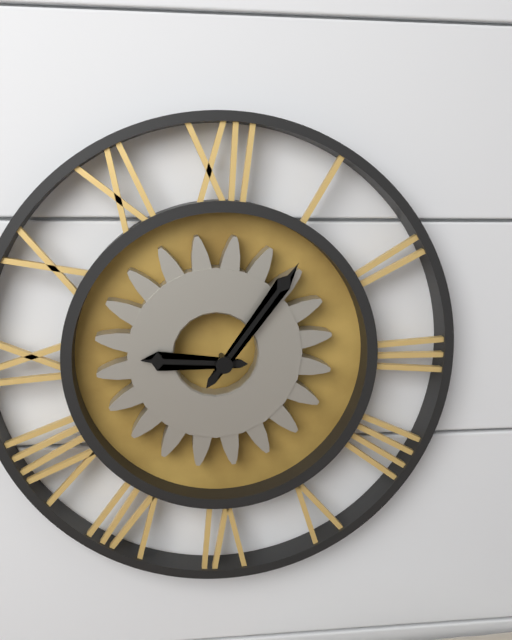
h=9 m=6
